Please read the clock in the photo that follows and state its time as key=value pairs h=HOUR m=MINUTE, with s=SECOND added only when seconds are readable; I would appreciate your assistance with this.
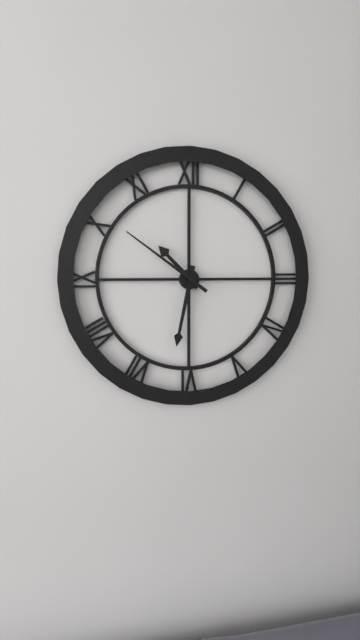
h=10 m=32 s=51
